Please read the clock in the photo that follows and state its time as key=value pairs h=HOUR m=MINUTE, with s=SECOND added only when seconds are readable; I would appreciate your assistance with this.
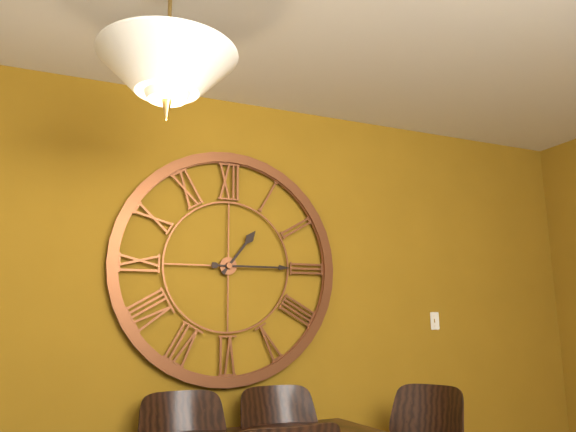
h=1 m=15
